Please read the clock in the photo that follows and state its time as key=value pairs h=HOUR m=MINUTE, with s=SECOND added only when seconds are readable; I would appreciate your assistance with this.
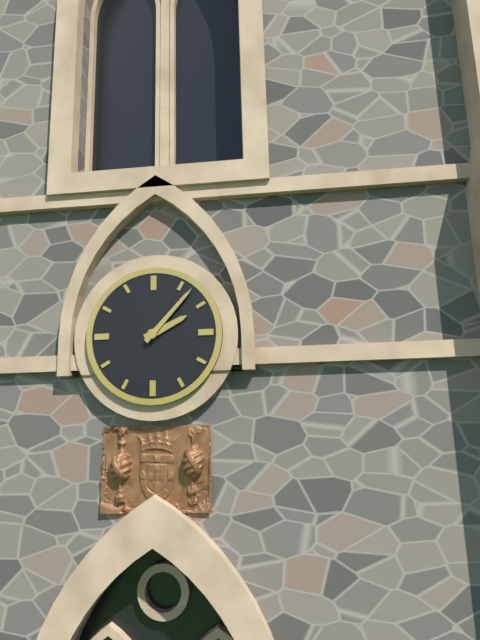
h=2 m=7
